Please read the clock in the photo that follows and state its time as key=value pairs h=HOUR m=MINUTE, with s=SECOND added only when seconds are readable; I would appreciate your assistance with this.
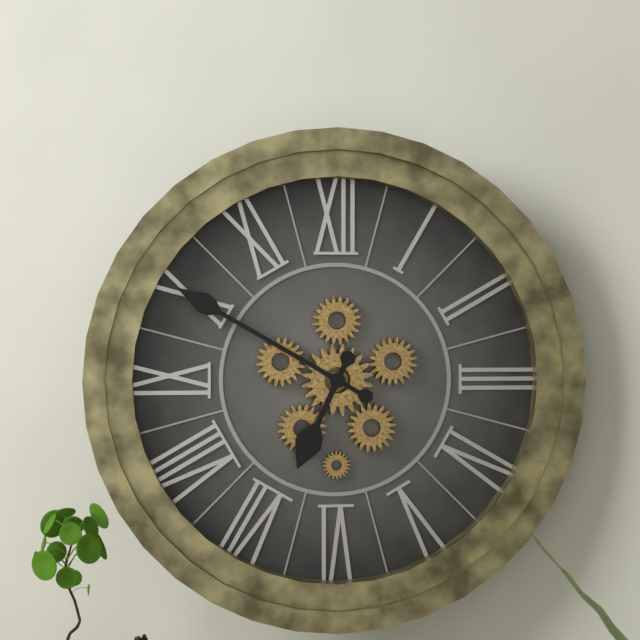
h=6 m=50
